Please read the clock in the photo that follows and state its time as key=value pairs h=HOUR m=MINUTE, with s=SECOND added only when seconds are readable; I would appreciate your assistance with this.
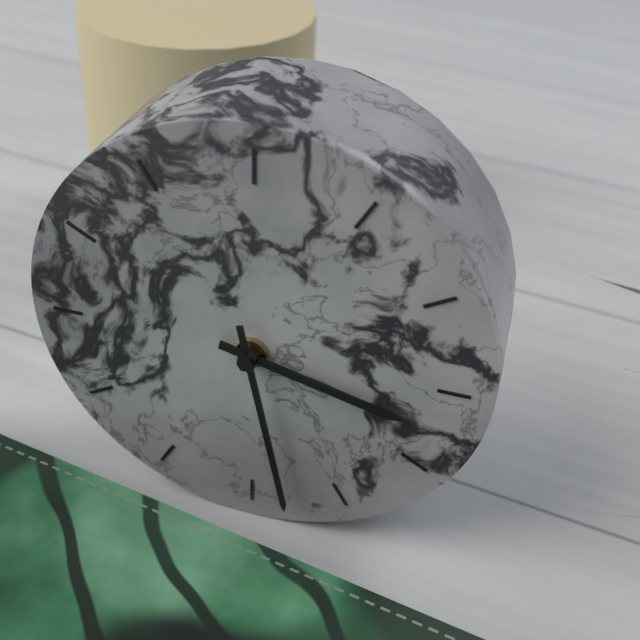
h=3 m=28
